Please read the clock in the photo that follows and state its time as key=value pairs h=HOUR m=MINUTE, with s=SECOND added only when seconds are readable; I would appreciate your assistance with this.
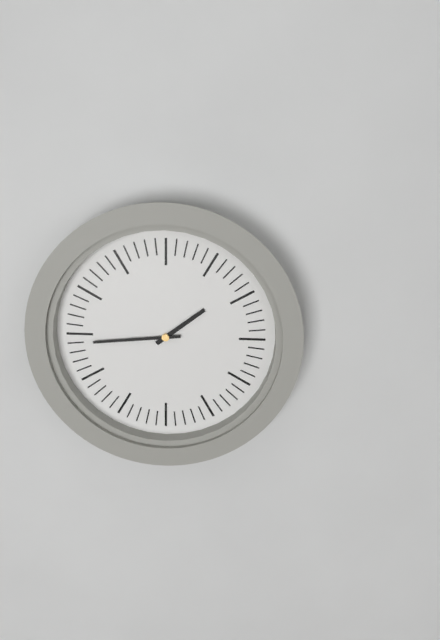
h=1 m=44
